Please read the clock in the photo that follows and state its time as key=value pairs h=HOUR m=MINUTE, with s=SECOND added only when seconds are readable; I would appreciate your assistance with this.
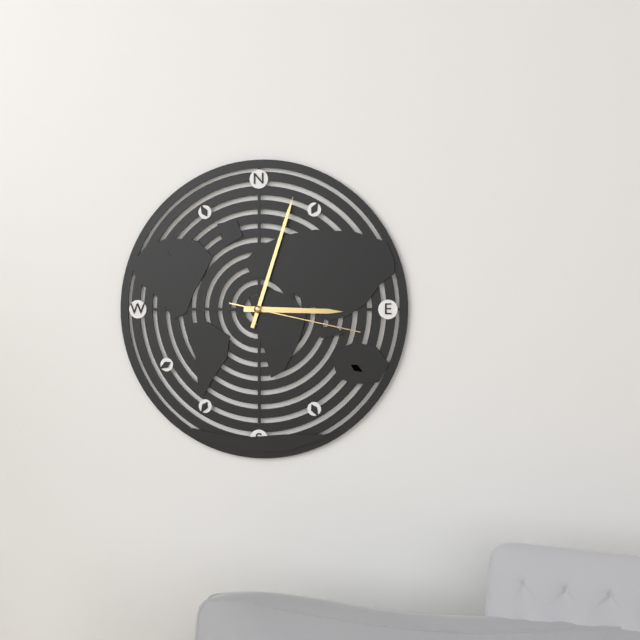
h=3 m=3 s=17
